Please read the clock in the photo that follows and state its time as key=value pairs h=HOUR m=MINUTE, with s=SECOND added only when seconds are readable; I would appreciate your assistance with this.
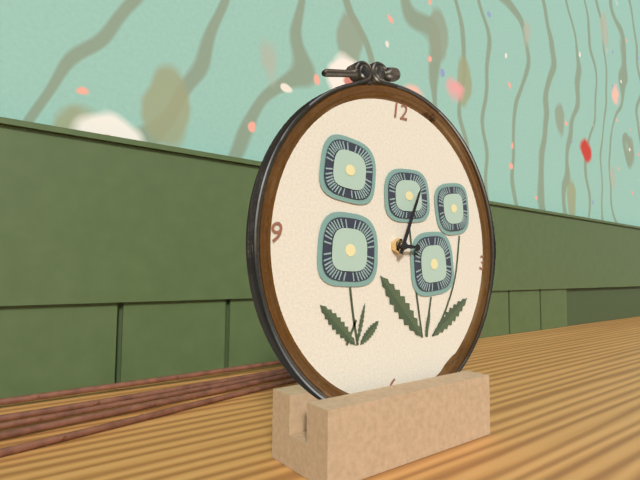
h=3 m=4
